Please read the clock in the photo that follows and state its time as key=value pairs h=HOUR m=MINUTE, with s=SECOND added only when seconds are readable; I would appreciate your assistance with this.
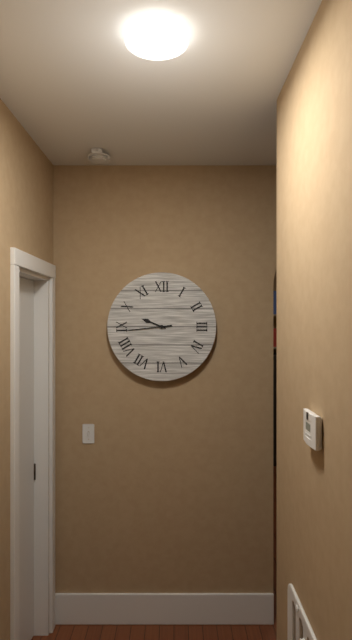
h=9 m=44
